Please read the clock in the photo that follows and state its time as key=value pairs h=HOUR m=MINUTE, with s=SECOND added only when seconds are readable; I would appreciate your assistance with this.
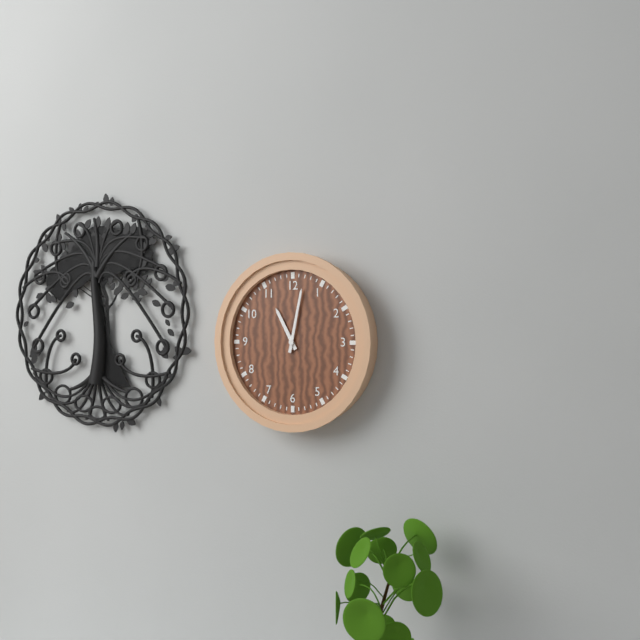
h=11 m=2
